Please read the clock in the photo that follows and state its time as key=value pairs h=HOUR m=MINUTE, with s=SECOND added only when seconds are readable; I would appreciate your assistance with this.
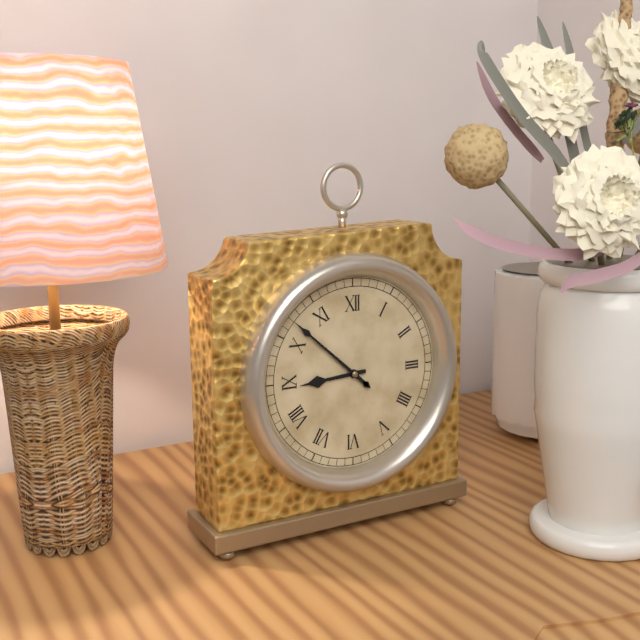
h=8 m=52
